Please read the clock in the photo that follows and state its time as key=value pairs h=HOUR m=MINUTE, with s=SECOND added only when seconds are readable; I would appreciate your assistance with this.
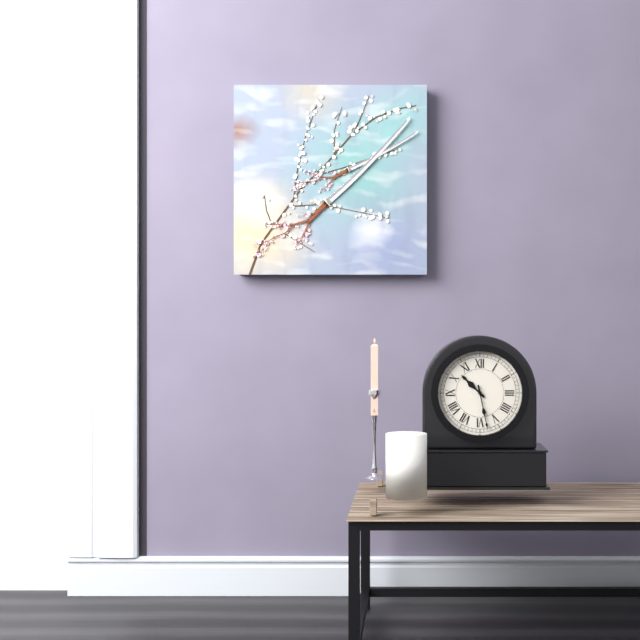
h=10 m=28
